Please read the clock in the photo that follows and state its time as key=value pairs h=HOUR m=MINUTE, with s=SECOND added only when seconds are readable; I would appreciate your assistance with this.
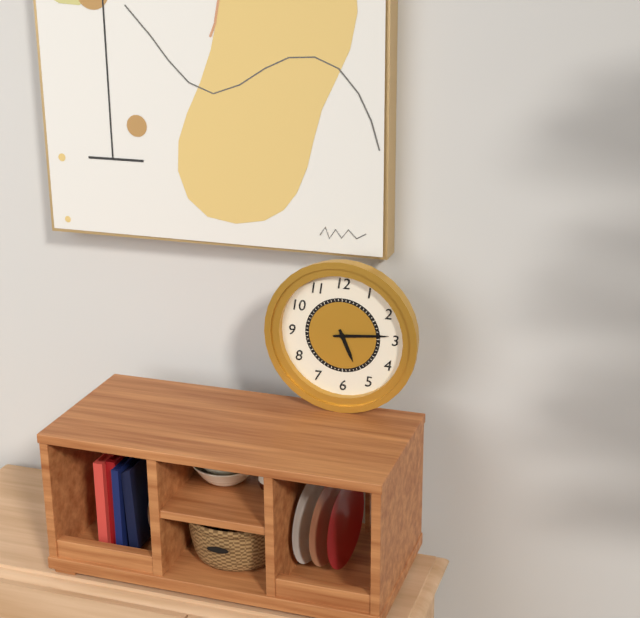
h=5 m=14
